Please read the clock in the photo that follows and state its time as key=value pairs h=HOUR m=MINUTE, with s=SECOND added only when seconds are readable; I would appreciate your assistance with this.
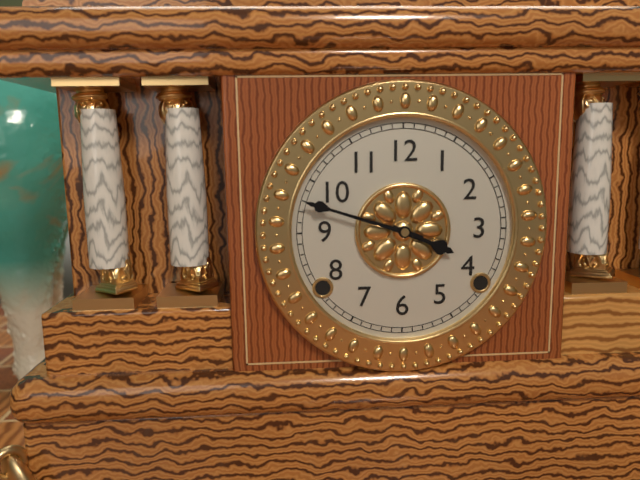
h=3 m=48
